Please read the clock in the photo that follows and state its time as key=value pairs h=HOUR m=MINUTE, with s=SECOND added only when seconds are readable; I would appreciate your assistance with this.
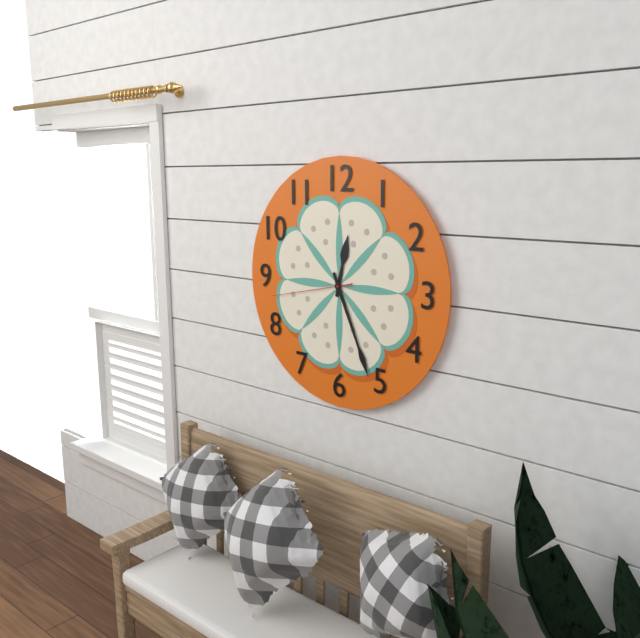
h=12 m=26 s=43
